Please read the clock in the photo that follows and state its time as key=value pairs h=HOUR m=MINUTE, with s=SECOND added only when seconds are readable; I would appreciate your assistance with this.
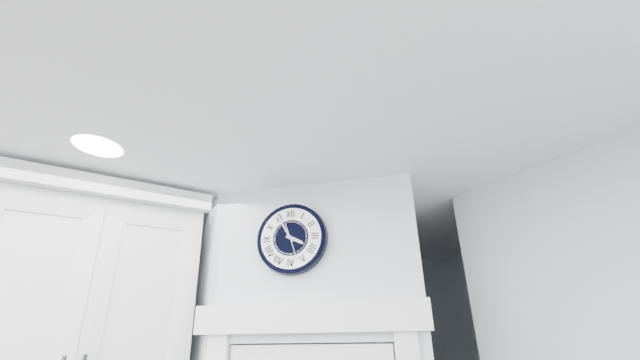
h=3 m=55
